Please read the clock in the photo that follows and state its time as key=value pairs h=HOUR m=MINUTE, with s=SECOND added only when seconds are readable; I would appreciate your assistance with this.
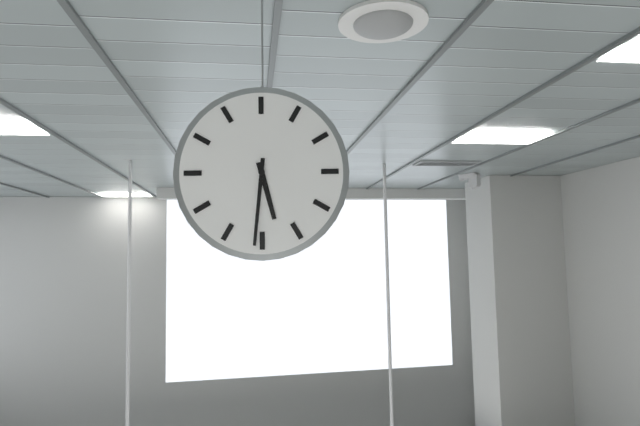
h=5 m=31
